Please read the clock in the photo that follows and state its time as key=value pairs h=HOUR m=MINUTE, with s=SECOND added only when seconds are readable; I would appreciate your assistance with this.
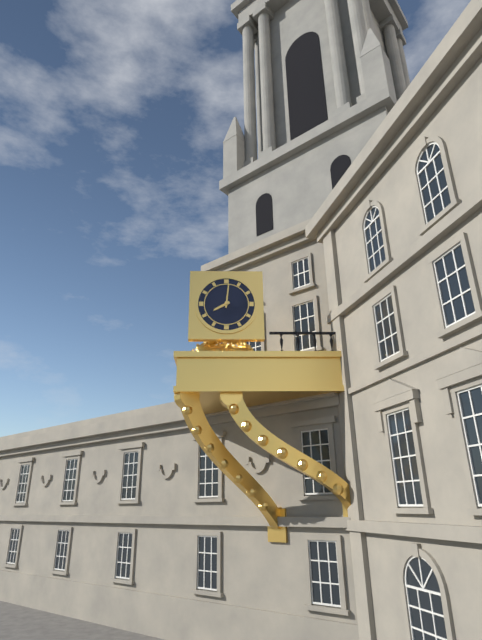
h=8 m=1
